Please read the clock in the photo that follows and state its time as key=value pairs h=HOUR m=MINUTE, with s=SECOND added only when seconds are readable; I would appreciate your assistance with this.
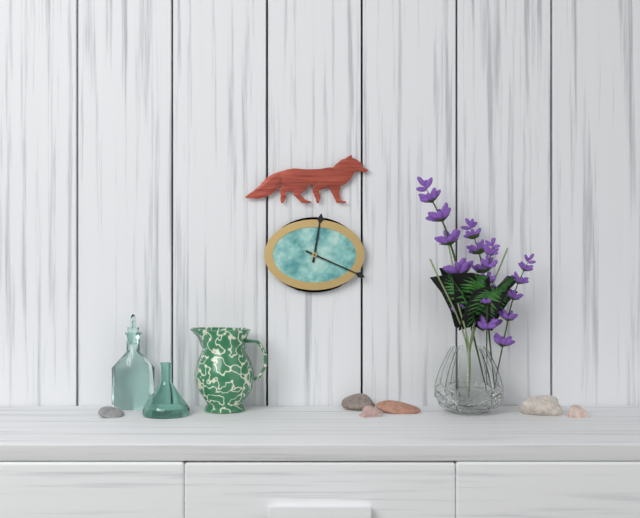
h=12 m=19
